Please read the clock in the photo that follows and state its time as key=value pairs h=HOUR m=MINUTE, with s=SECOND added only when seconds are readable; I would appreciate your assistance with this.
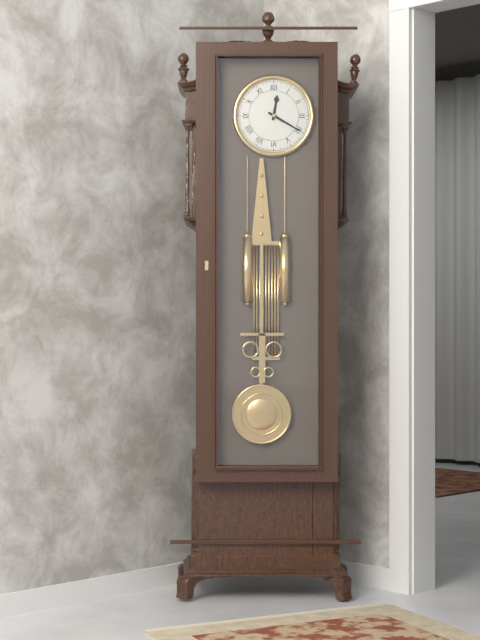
h=12 m=20
